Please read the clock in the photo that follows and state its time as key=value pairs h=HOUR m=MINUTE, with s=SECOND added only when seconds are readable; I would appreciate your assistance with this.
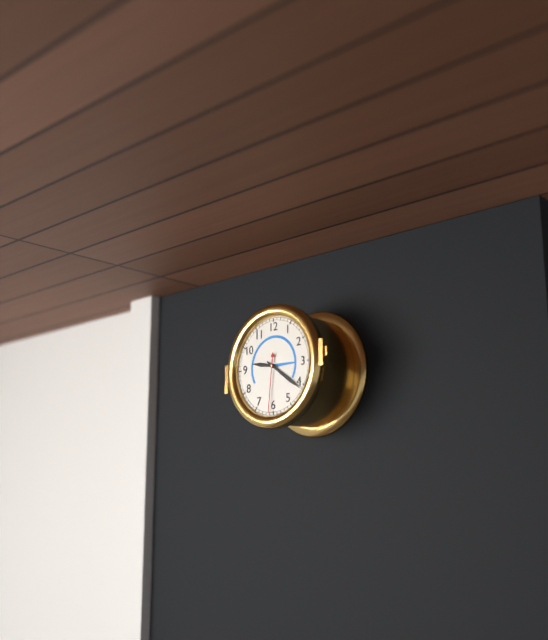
h=9 m=21 s=31
